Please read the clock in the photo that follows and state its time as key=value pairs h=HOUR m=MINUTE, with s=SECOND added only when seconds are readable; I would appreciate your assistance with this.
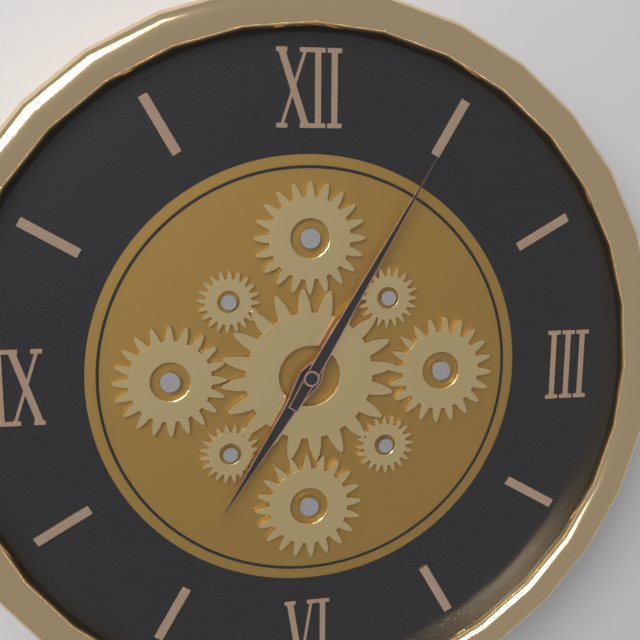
h=7 m=5
